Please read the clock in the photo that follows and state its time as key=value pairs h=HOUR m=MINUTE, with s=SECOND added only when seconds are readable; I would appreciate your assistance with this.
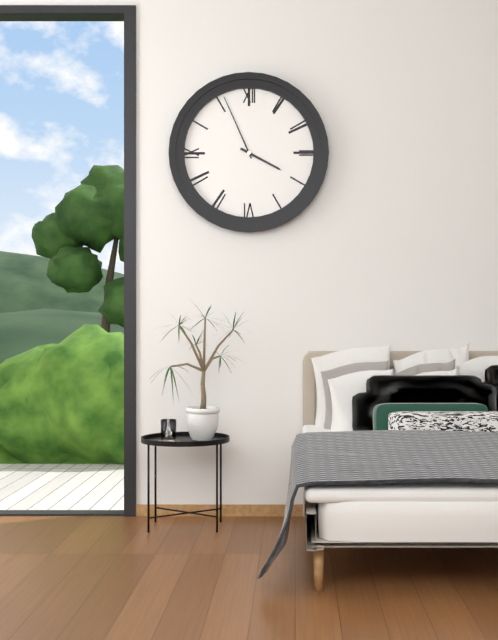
h=3 m=56
